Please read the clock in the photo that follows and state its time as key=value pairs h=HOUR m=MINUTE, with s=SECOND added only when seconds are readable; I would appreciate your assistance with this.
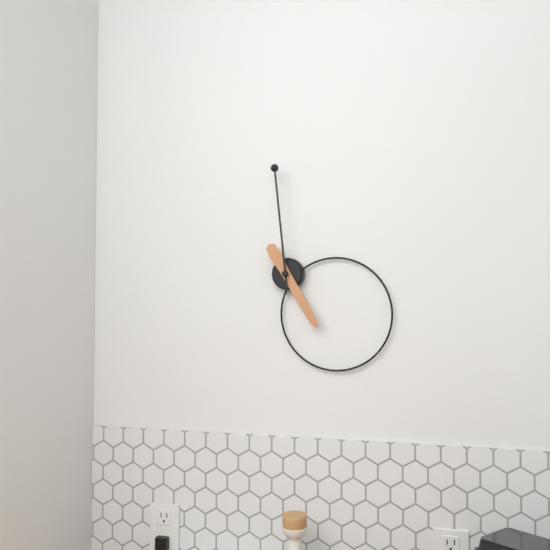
h=4 m=59
